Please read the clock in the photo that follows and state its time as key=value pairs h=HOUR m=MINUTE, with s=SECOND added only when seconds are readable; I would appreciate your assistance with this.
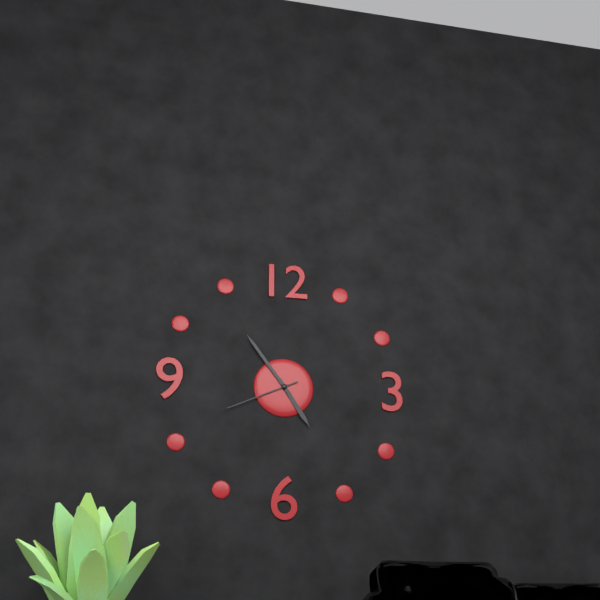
h=4 m=54 s=41
